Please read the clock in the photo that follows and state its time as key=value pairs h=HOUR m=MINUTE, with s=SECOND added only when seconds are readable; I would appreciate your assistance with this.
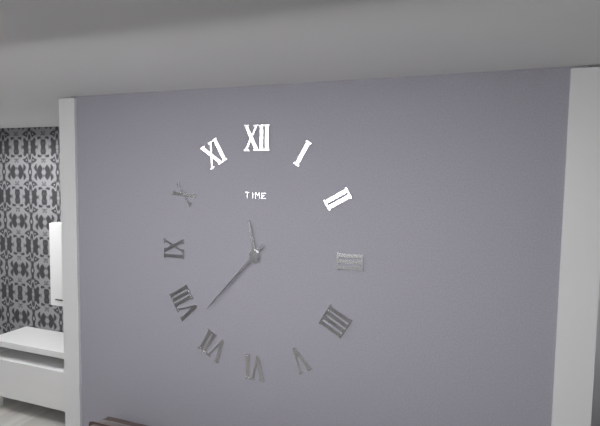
h=11 m=37
